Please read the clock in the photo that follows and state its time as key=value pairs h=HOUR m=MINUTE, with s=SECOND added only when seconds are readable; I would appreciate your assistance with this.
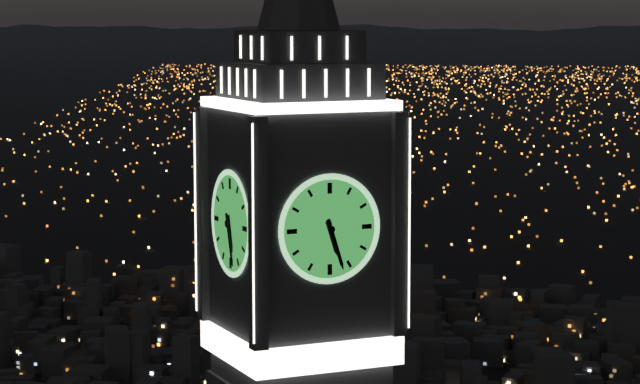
h=5 m=27
